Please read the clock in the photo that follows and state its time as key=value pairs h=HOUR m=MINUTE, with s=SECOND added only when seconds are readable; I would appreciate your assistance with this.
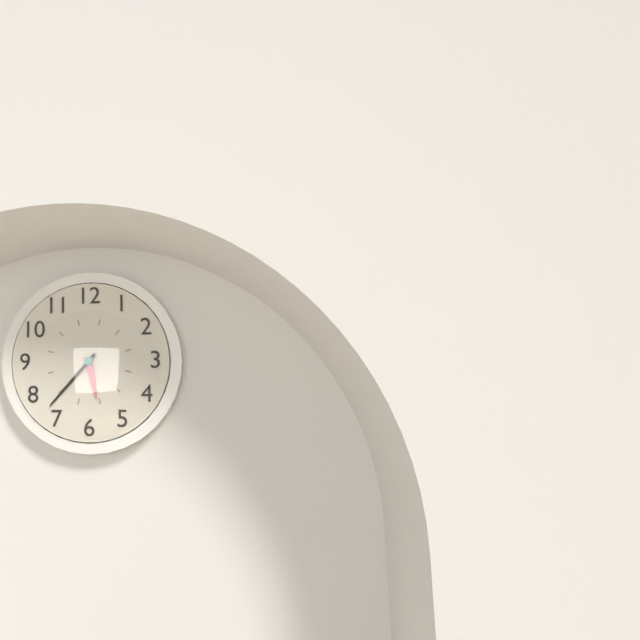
h=5 m=37
